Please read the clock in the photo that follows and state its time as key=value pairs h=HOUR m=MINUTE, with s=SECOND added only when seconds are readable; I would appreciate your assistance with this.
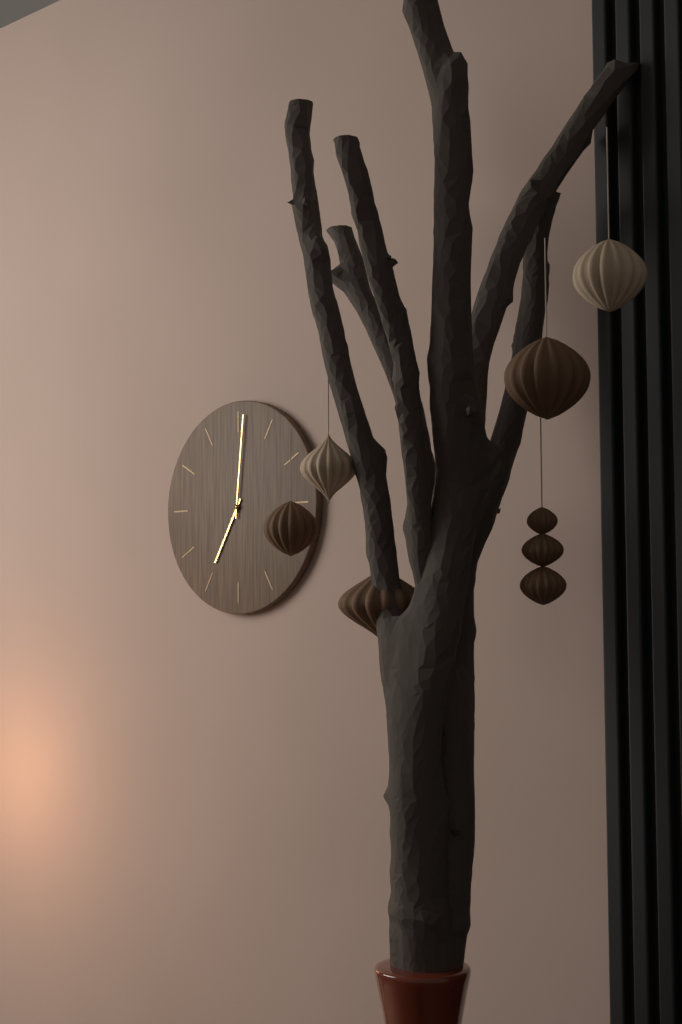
h=7 m=1
